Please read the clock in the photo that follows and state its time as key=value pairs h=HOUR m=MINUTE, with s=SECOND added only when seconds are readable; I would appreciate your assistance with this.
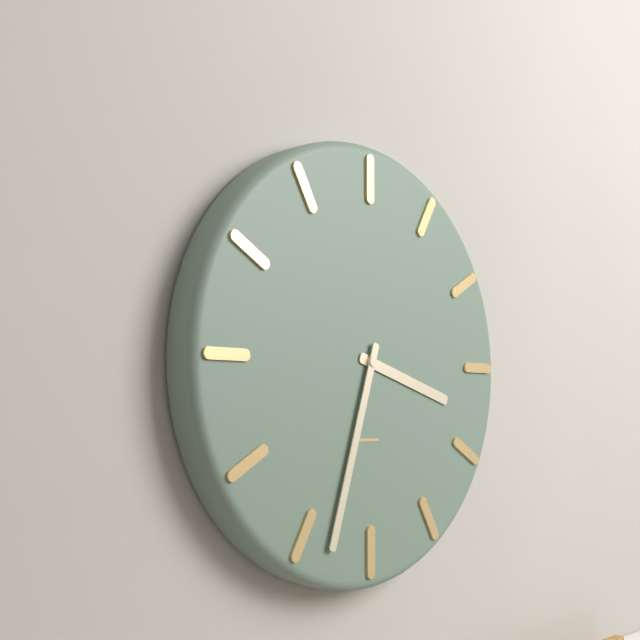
h=3 m=33
